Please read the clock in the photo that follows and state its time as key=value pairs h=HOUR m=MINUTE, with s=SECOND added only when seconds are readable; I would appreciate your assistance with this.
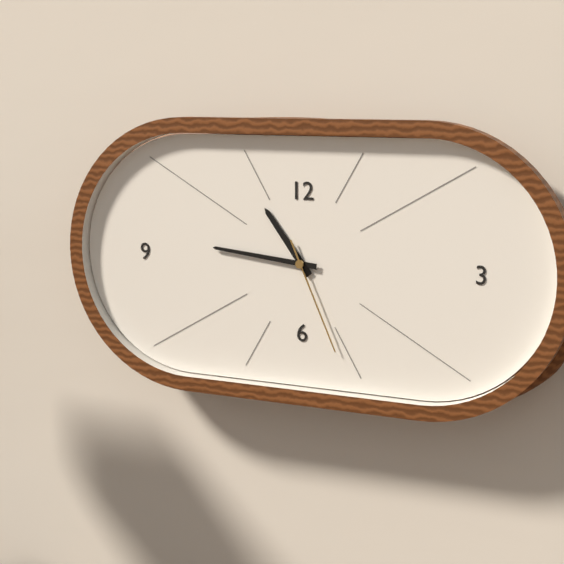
h=10 m=46 s=26
